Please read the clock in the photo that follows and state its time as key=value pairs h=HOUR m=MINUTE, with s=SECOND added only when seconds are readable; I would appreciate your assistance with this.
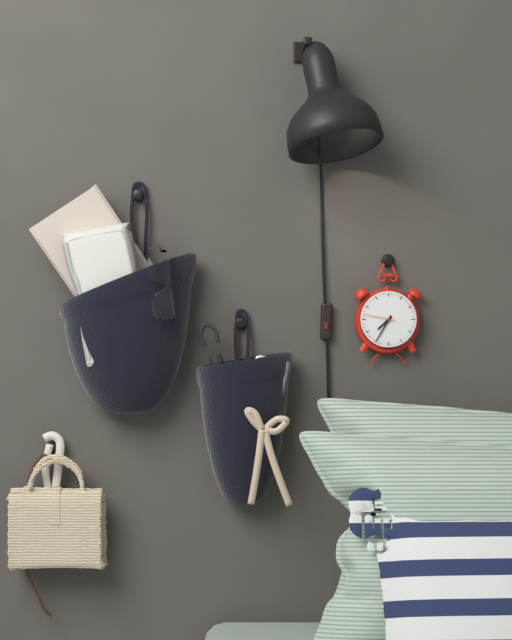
h=7 m=35
